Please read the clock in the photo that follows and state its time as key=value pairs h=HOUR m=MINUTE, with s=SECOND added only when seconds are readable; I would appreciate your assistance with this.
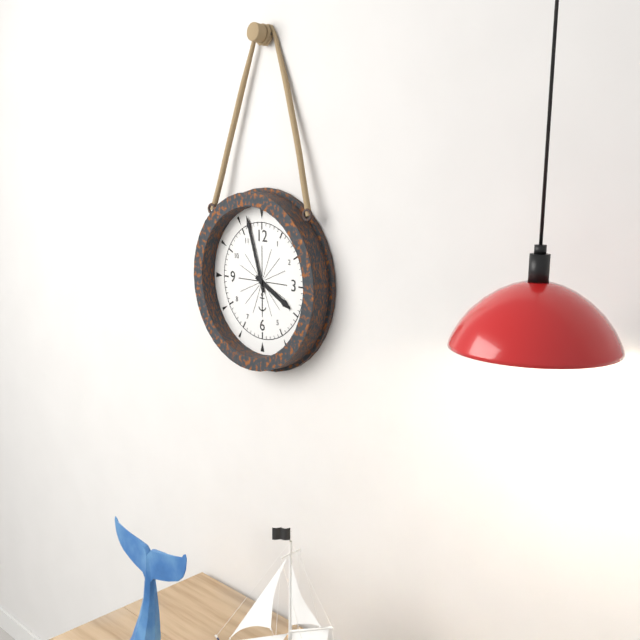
h=3 m=57
